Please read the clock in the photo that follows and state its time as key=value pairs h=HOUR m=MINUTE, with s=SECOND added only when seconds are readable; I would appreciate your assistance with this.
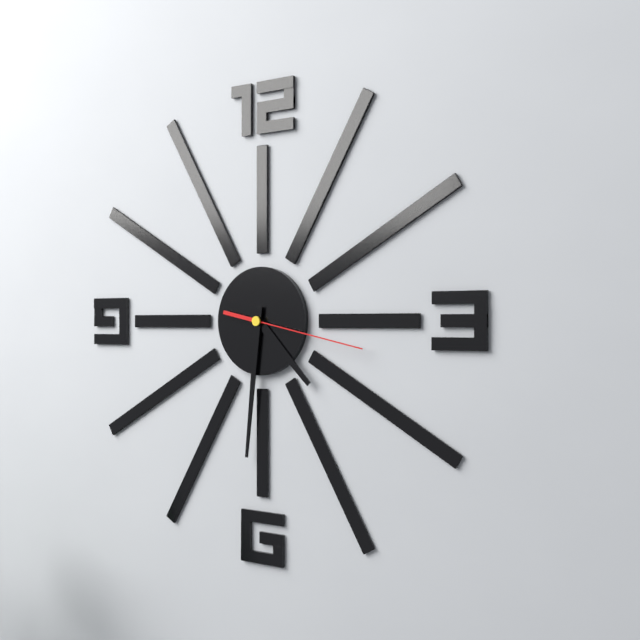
h=4 m=31 s=17
